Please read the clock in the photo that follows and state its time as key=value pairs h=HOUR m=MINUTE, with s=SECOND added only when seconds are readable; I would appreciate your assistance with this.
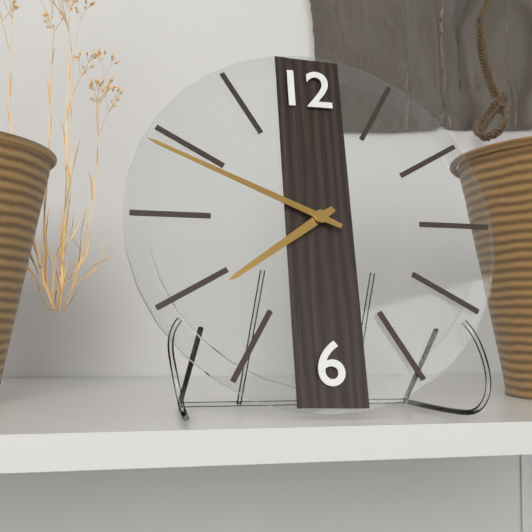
h=7 m=49
